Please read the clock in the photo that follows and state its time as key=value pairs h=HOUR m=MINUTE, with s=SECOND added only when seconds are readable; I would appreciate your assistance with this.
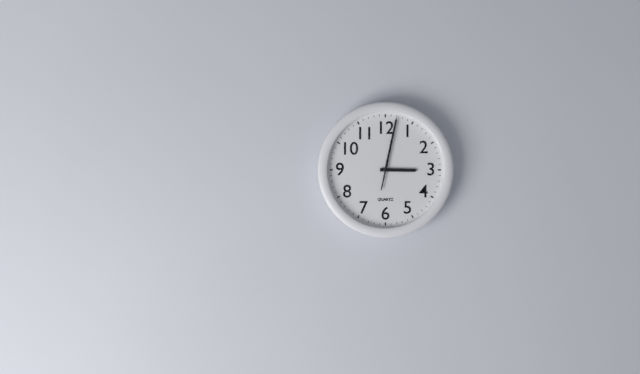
h=3 m=2
